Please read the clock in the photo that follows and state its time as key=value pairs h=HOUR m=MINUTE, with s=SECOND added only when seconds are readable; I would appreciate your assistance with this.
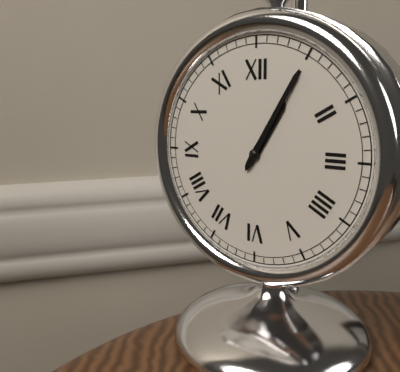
h=1 m=5
